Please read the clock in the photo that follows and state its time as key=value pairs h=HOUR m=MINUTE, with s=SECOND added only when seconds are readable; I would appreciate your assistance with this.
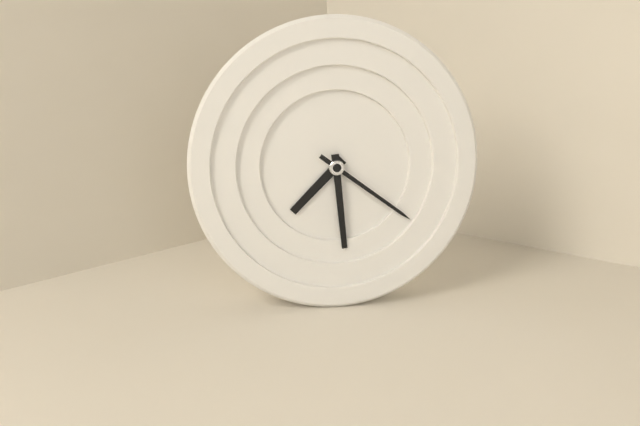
h=7 m=29 s=21
